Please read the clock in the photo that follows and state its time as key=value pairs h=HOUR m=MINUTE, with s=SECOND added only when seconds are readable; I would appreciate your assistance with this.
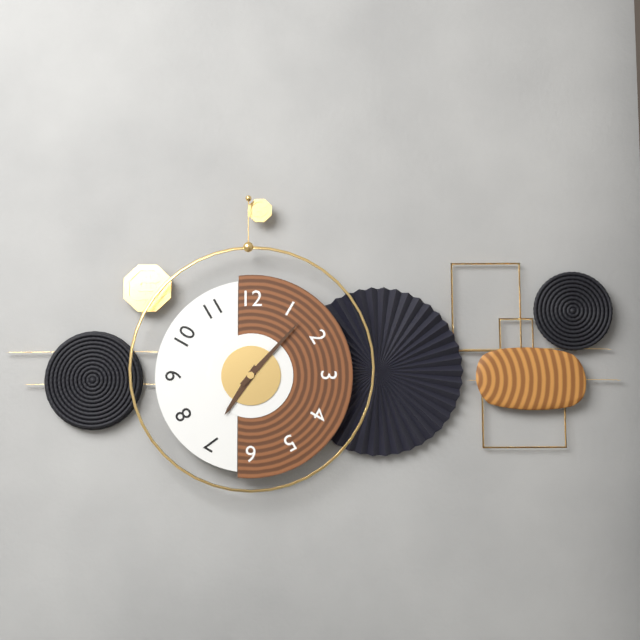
h=7 m=7
